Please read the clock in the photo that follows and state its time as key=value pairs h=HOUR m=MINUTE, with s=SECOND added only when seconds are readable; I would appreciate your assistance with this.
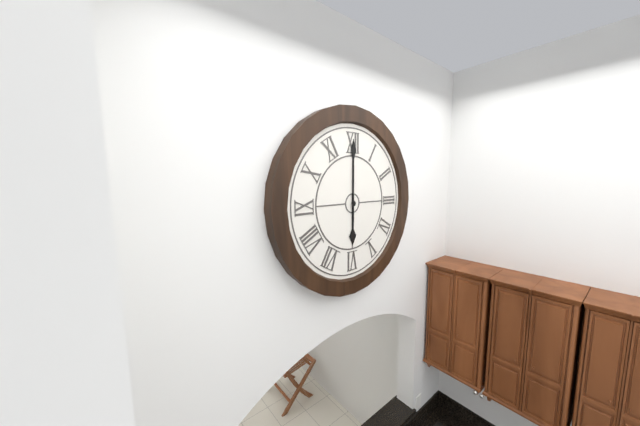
h=6 m=0
